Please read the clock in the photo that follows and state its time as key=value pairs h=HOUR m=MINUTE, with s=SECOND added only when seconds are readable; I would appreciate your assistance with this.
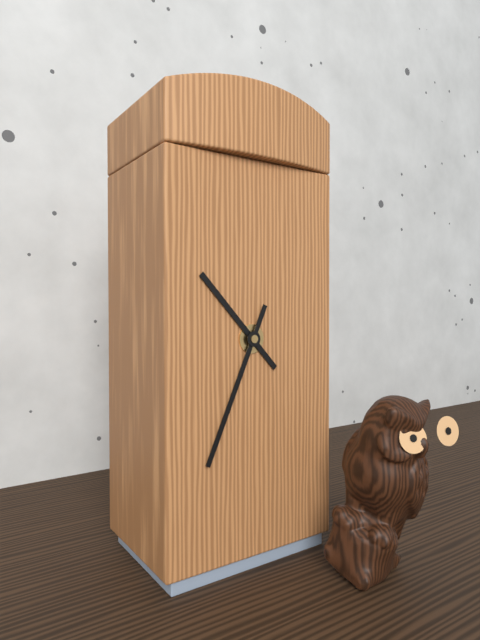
h=10 m=34
